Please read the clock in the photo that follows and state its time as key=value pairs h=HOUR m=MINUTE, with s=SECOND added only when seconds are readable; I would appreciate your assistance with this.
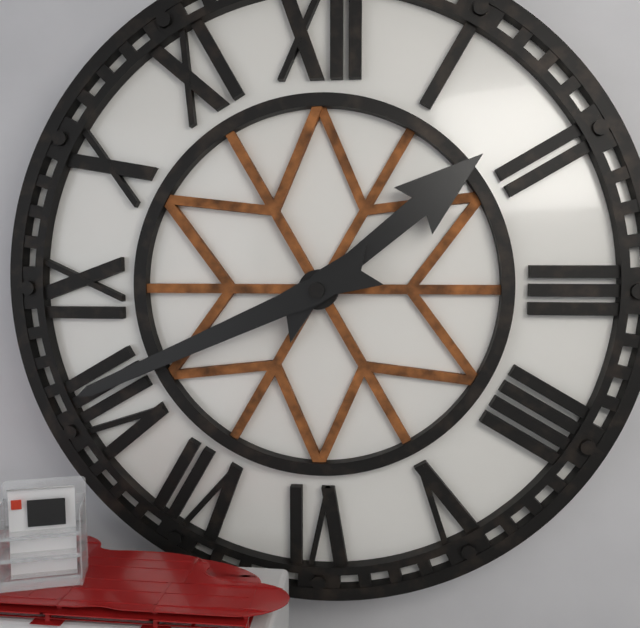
h=1 m=41
